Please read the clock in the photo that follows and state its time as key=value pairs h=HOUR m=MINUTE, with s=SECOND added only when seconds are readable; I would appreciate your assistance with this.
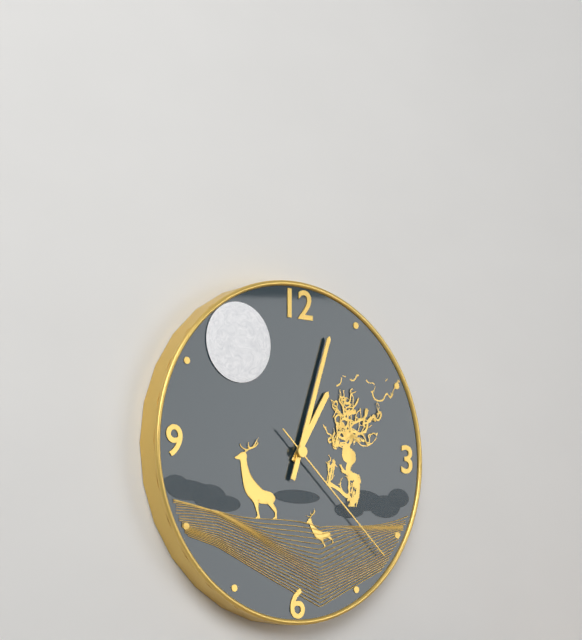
h=1 m=3 s=22
